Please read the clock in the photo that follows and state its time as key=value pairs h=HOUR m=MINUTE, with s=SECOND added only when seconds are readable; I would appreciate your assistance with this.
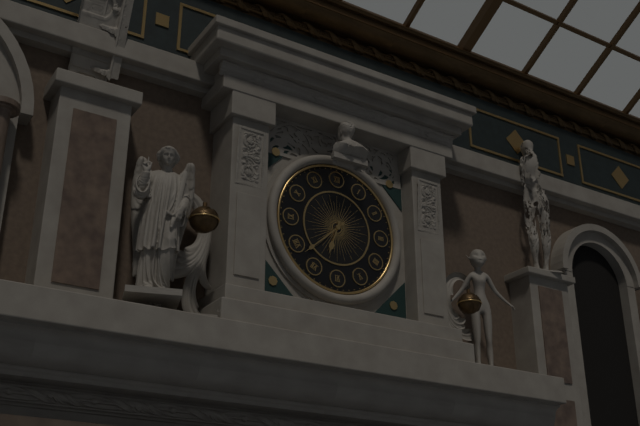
h=6 m=38
